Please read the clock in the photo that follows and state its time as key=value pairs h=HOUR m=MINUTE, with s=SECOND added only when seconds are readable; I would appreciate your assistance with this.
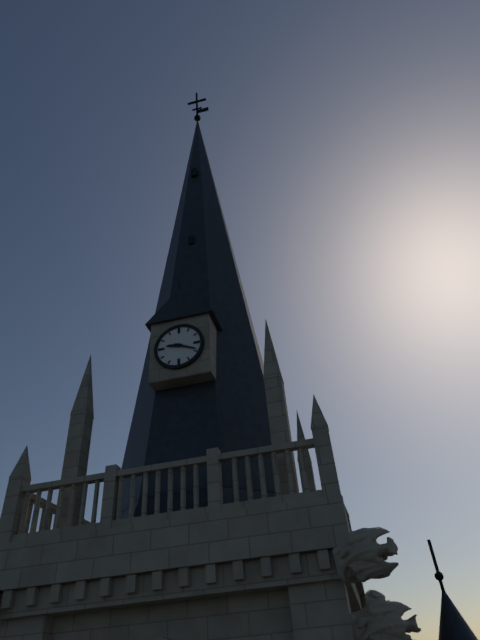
h=9 m=19
